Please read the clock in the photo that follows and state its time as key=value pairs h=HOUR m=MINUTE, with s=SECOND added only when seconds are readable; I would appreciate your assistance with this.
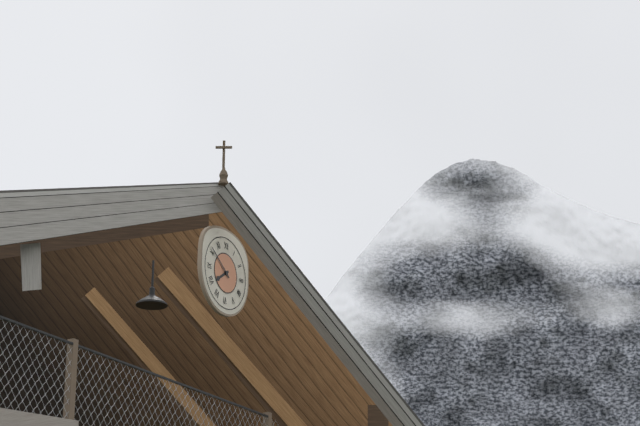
h=7 m=51
